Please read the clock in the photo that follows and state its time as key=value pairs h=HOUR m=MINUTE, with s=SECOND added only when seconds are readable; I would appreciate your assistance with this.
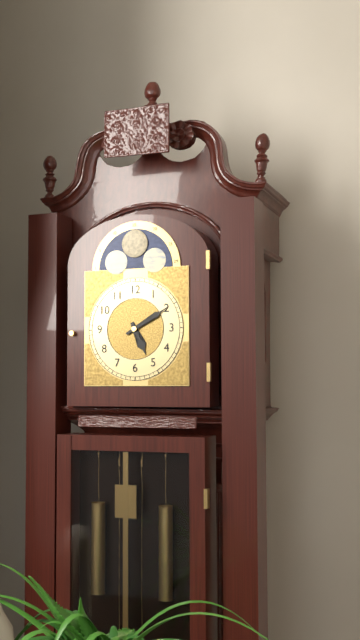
h=5 m=10
